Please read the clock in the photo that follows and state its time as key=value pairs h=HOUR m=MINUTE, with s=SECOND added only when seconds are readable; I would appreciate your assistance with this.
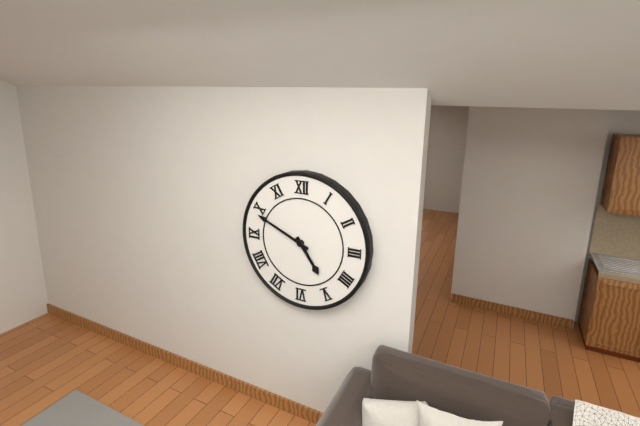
h=4 m=49
